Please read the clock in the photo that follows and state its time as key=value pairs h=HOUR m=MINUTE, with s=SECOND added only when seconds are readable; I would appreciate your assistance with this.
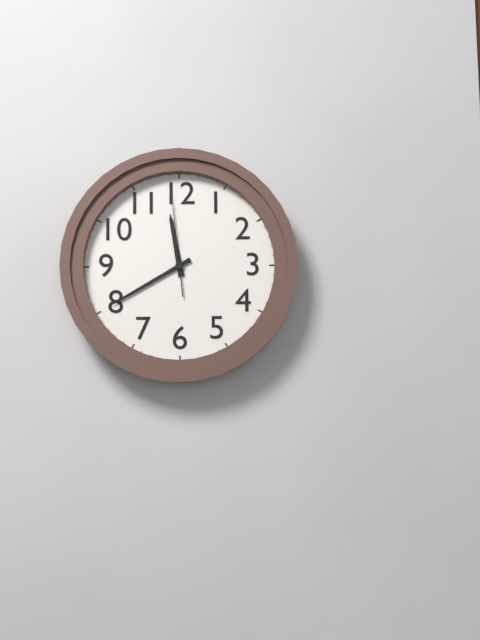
h=11 m=40 s=59
